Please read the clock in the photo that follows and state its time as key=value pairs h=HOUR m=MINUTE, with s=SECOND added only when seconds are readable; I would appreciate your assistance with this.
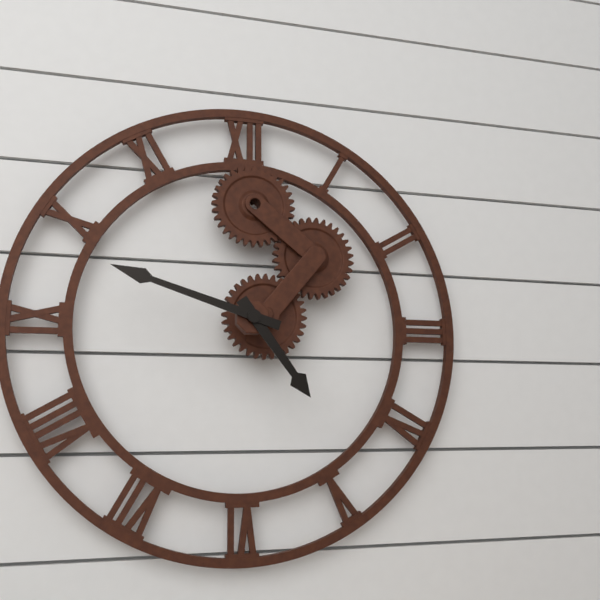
h=4 m=48
